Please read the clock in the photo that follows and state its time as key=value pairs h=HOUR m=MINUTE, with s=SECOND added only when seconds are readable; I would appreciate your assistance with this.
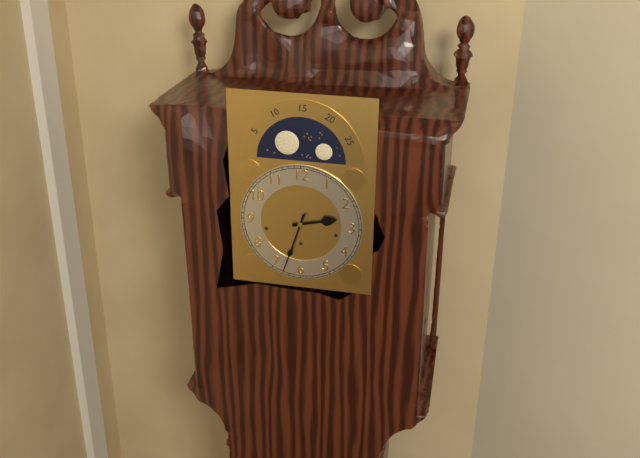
h=2 m=33
